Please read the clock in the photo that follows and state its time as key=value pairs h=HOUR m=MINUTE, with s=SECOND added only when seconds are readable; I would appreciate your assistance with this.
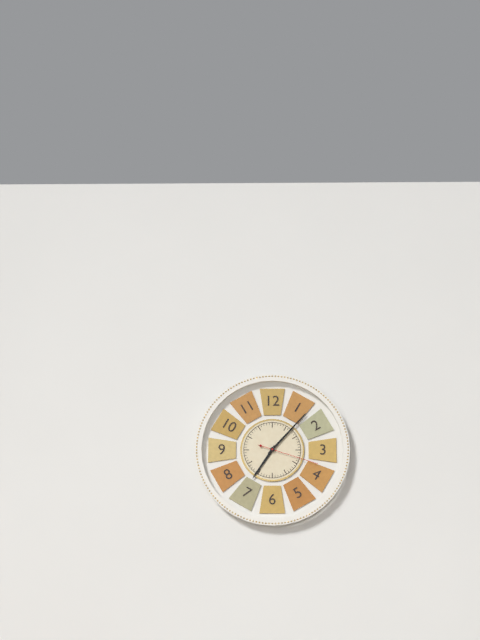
h=7 m=7 s=18
